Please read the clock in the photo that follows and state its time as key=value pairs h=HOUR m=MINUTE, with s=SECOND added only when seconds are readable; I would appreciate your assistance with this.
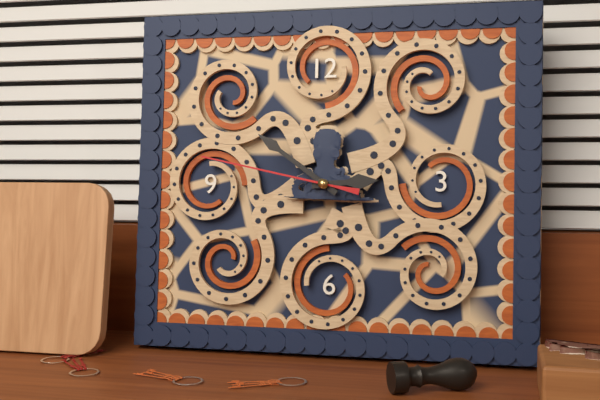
h=2 m=51 s=47
